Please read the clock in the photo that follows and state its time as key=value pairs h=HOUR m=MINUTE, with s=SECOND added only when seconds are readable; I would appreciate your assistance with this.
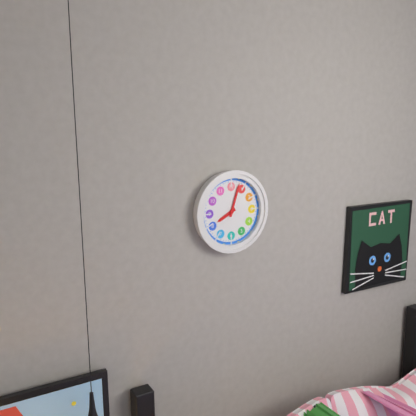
h=8 m=3
